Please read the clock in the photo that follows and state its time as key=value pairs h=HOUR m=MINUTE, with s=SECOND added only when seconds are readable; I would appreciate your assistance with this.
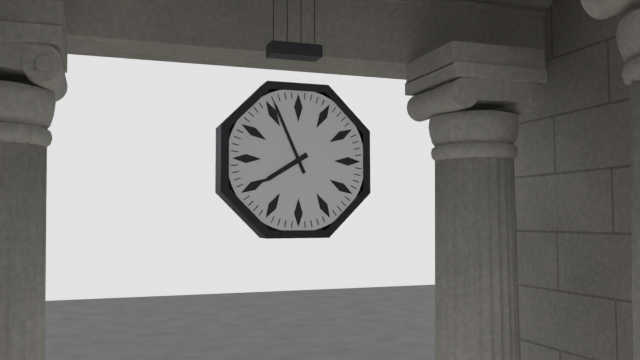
h=7 m=56
